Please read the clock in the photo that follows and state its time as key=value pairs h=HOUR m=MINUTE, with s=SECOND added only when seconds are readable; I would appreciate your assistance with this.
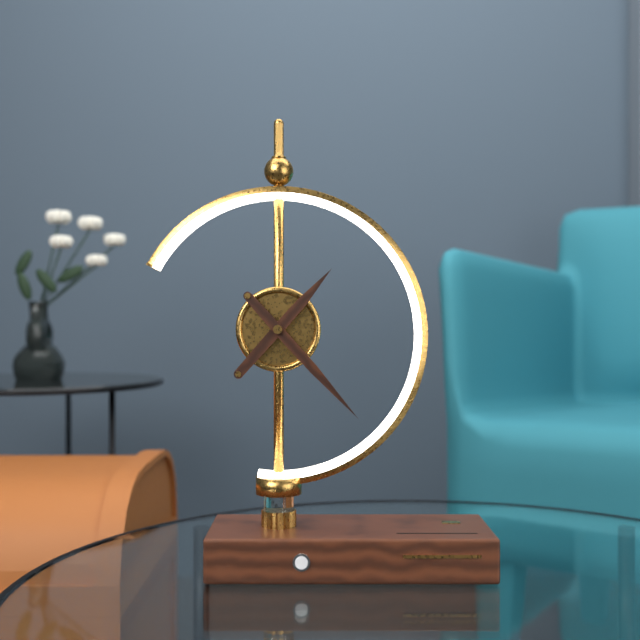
h=1 m=23
